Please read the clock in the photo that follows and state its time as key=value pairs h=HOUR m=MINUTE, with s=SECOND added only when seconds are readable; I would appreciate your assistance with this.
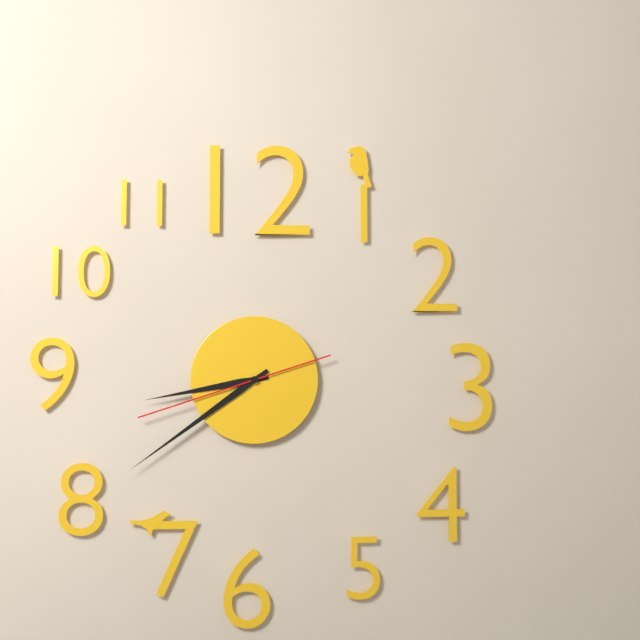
h=8 m=39 s=42
